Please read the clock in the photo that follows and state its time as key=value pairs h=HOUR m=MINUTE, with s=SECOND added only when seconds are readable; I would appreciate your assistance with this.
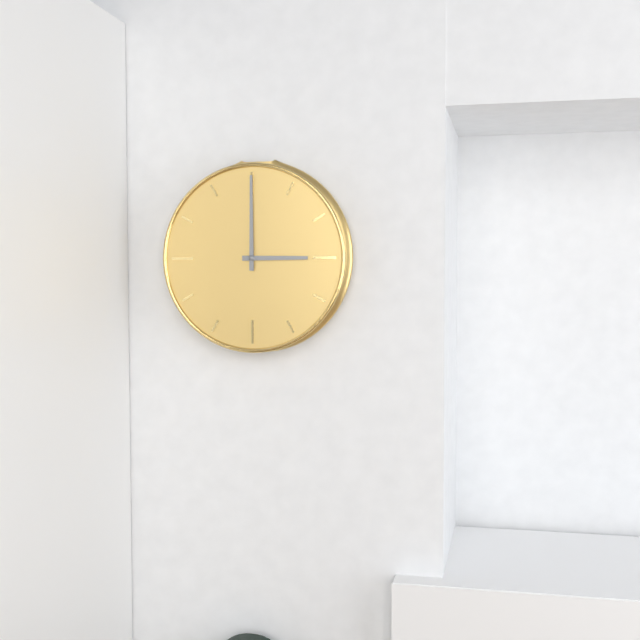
h=3 m=0
